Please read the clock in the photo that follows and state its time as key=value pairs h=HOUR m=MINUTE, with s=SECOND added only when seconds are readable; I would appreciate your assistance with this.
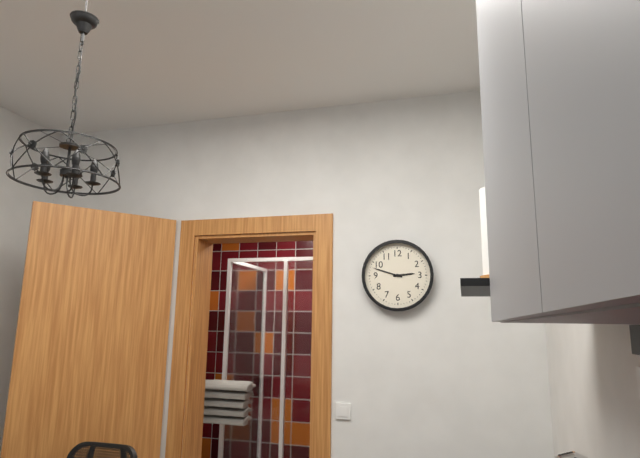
h=2 m=48
